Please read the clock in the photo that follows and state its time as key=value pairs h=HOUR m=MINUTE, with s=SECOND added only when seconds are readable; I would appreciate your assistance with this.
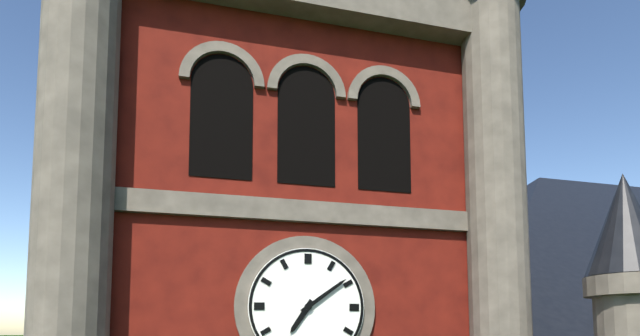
h=7 m=9
